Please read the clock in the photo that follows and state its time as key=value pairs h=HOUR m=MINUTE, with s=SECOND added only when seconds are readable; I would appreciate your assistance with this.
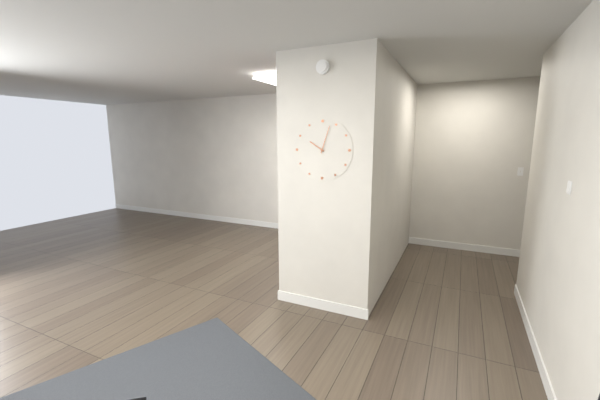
h=10 m=3
